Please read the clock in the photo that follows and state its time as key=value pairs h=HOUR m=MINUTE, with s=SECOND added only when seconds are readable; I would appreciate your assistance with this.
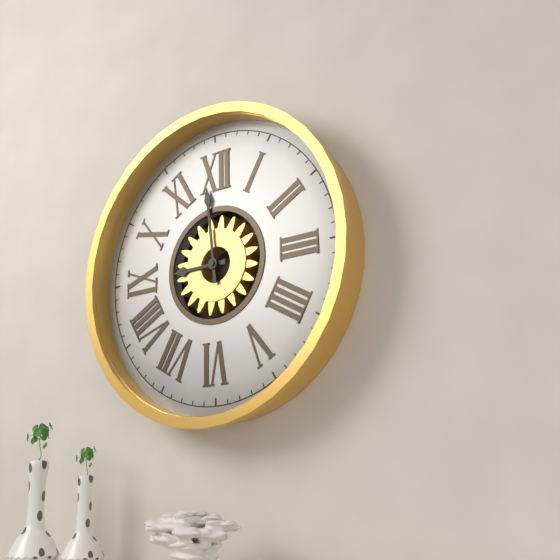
h=8 m=59
